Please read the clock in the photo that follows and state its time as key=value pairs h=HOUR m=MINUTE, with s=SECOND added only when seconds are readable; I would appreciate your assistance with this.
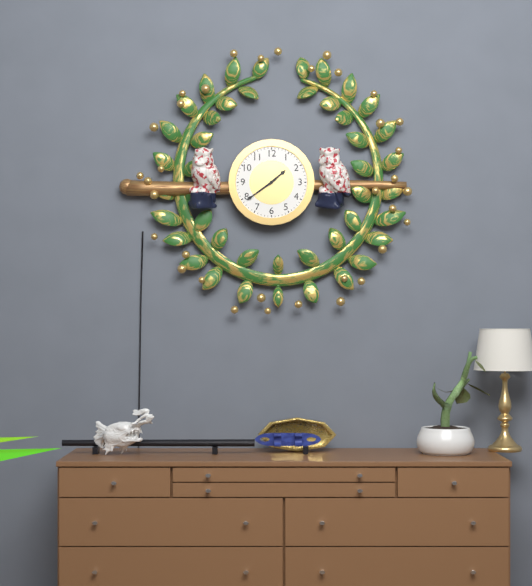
h=1 m=39
